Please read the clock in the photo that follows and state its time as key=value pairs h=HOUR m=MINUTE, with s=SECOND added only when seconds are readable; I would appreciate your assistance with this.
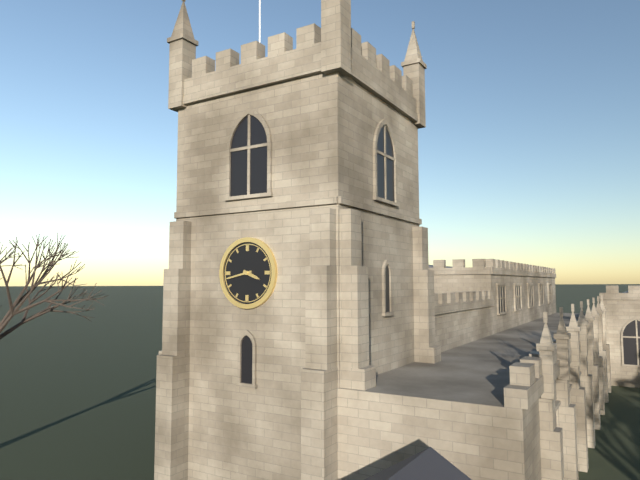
h=3 m=43
